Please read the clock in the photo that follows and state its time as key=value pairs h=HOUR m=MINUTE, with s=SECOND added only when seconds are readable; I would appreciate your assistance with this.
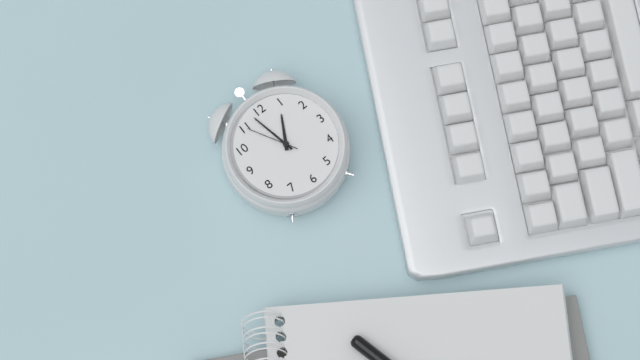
h=12 m=58 s=55
